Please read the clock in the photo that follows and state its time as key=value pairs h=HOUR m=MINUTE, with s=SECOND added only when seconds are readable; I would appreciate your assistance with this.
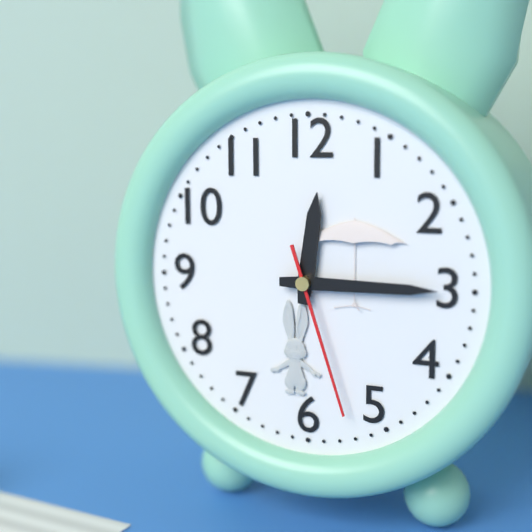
h=12 m=15 s=27
